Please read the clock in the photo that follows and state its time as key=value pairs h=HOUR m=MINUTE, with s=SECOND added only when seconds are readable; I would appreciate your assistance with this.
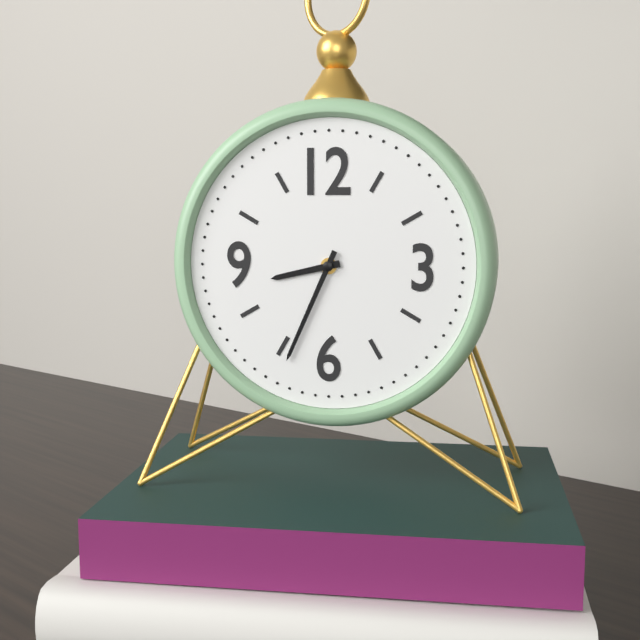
h=8 m=34
